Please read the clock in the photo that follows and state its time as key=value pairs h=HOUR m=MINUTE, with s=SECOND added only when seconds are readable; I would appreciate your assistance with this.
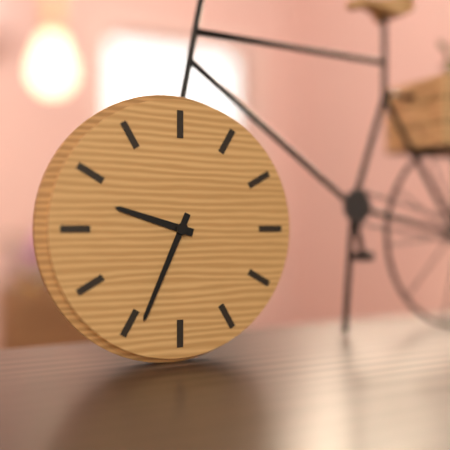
h=9 m=34
